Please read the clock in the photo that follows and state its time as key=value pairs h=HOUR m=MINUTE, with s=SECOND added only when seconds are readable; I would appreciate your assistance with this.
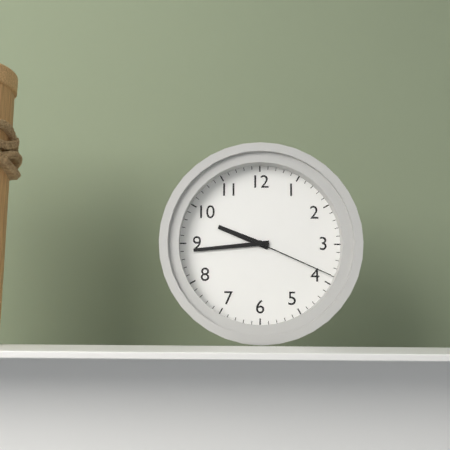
h=9 m=44 s=19
